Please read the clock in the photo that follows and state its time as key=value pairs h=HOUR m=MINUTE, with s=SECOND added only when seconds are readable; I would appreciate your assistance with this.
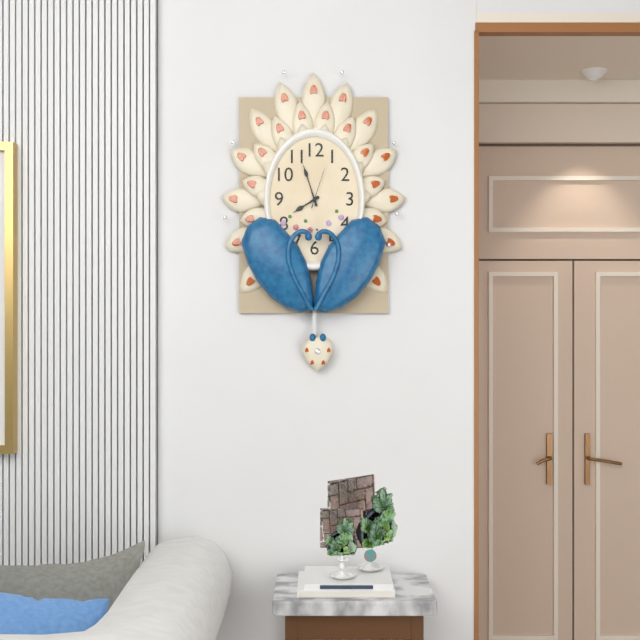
h=7 m=57
